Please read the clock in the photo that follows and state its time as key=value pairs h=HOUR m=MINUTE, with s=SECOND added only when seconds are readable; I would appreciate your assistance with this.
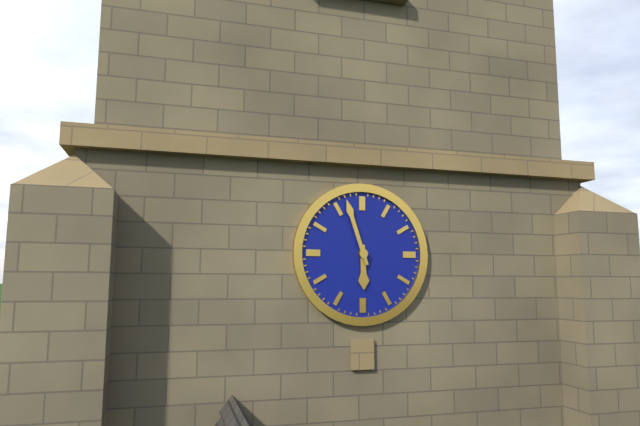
h=5 m=57
